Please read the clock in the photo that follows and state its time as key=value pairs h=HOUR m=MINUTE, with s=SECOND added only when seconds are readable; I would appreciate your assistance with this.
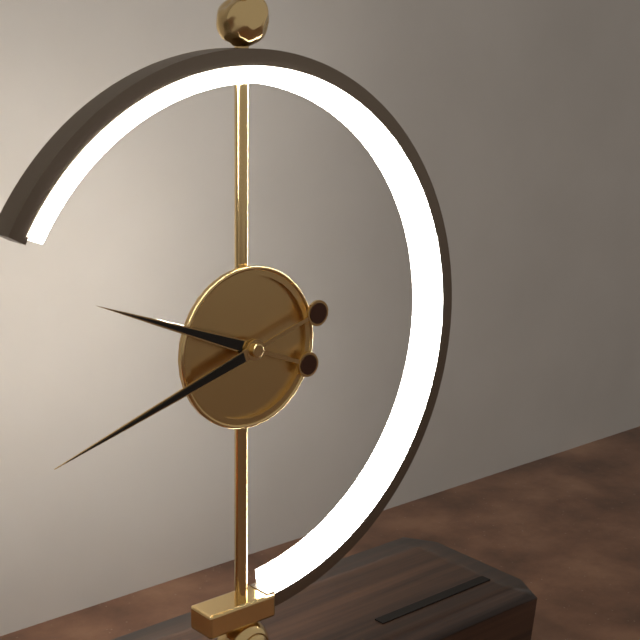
h=9 m=42
